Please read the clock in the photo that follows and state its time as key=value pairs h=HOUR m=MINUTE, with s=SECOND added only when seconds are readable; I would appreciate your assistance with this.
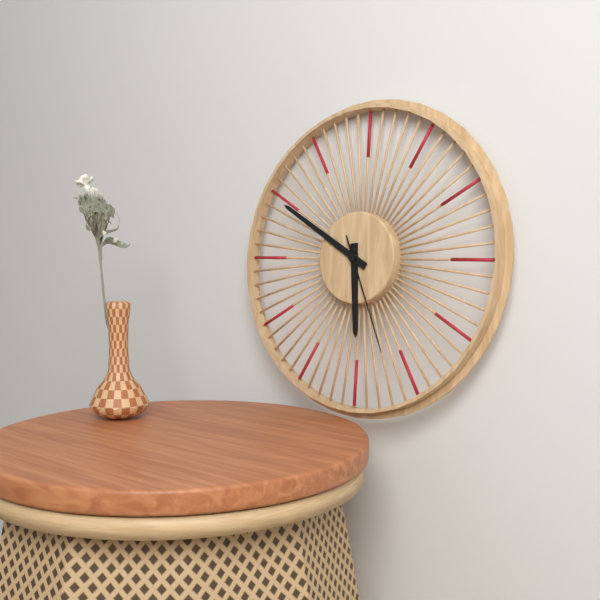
h=5 m=50 s=26
